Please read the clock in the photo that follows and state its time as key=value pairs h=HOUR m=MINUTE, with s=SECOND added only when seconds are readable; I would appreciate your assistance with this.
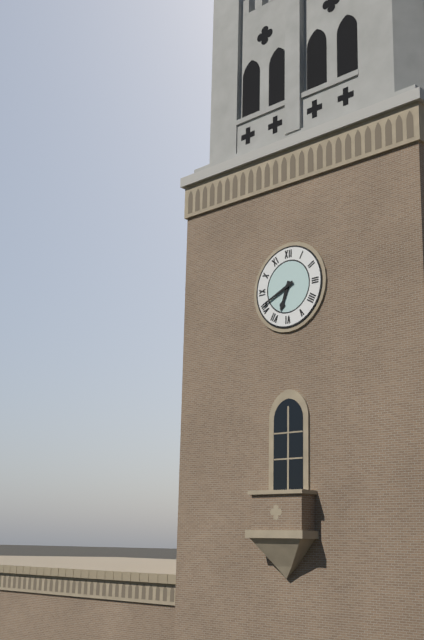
h=6 m=41
